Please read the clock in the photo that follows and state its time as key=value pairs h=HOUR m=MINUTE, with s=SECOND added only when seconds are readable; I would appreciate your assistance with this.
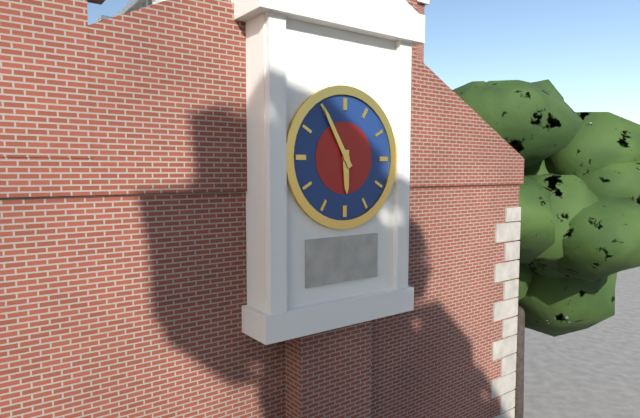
h=5 m=55
